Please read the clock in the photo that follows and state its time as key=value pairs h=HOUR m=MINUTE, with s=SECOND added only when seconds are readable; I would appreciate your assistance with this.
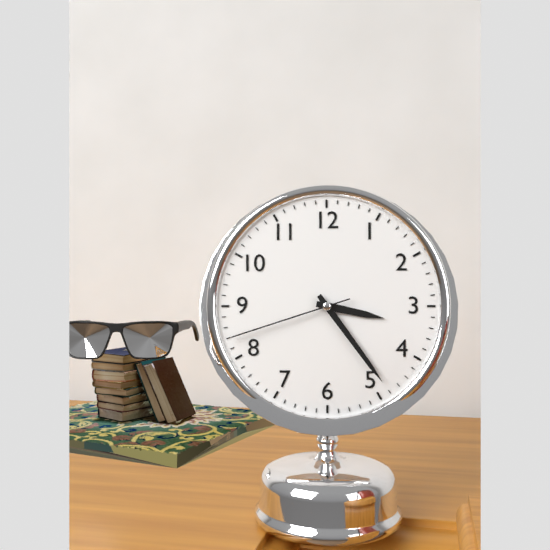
h=3 m=24 s=42
